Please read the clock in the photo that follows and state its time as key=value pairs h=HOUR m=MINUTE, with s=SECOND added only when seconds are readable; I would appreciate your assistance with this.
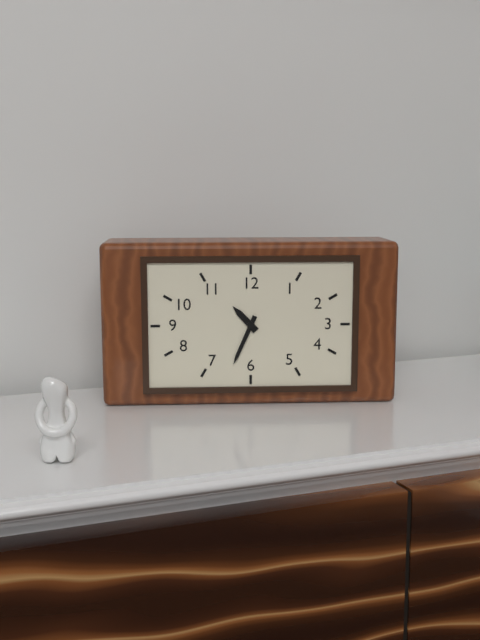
h=10 m=34
